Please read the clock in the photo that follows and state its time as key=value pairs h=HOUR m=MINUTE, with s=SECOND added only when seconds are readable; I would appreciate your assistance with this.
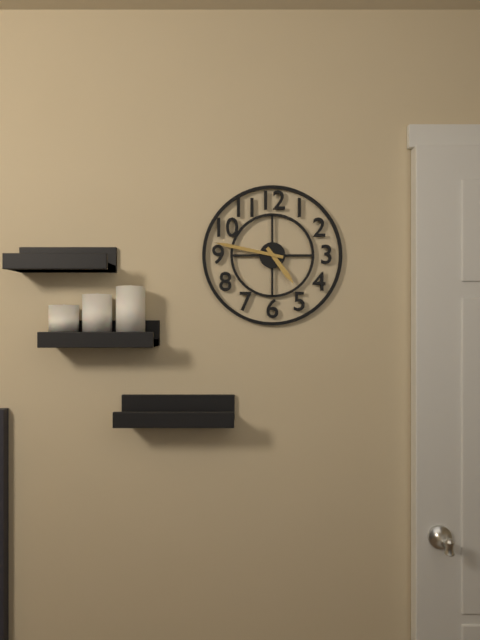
h=4 m=47
